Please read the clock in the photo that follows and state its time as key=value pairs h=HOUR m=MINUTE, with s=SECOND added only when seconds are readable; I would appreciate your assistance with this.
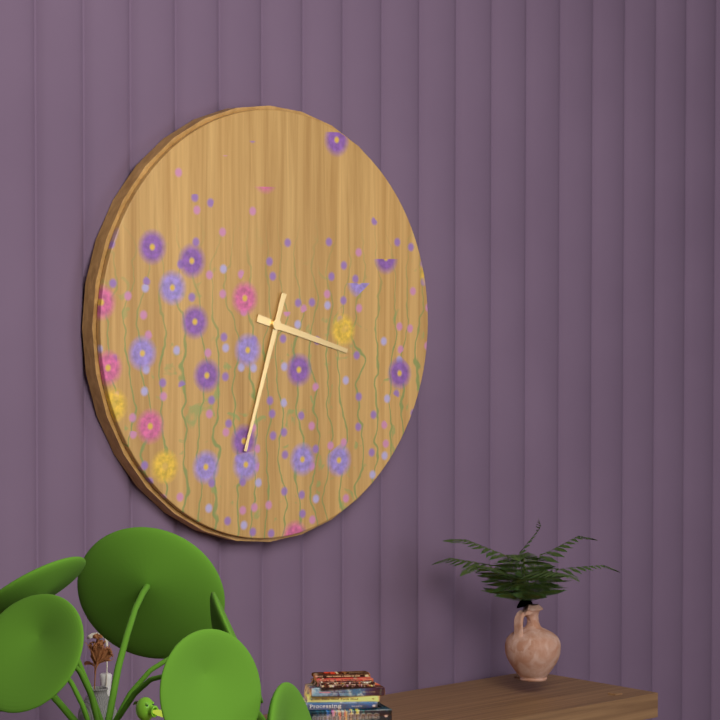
h=3 m=33
